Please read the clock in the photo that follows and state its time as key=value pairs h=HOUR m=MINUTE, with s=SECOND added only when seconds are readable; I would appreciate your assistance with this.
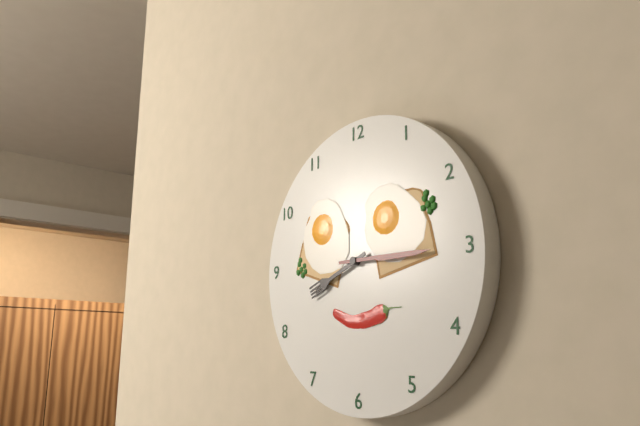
h=8 m=15
